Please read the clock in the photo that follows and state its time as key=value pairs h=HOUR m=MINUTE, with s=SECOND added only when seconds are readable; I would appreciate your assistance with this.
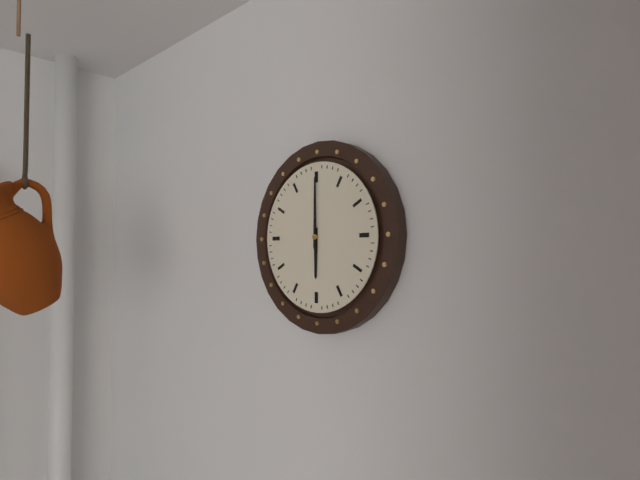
h=6 m=0
